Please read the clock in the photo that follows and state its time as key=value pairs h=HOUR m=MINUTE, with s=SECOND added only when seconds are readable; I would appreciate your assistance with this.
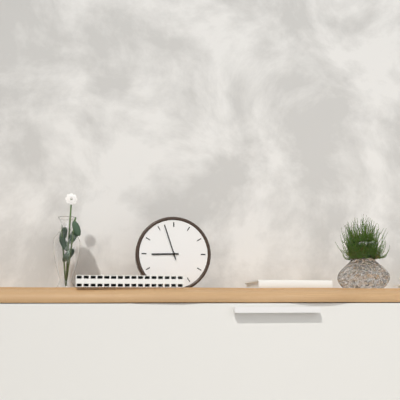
h=8 m=57
